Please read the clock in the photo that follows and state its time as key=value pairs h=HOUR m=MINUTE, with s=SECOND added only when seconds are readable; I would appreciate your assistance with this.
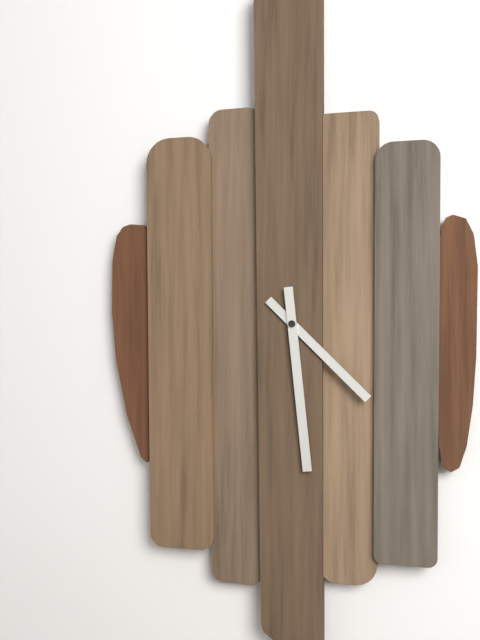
h=4 m=29
